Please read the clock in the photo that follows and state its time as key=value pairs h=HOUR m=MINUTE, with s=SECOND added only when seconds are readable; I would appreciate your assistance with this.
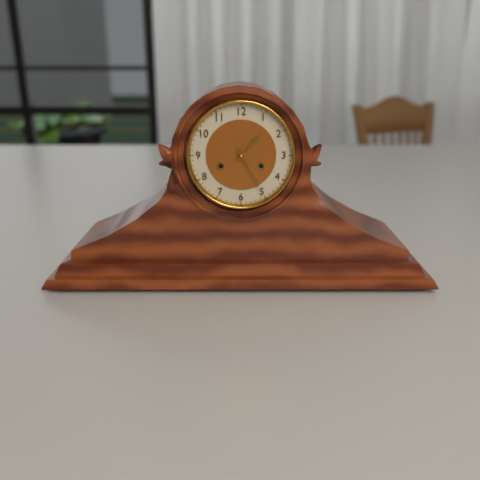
h=1 m=25
